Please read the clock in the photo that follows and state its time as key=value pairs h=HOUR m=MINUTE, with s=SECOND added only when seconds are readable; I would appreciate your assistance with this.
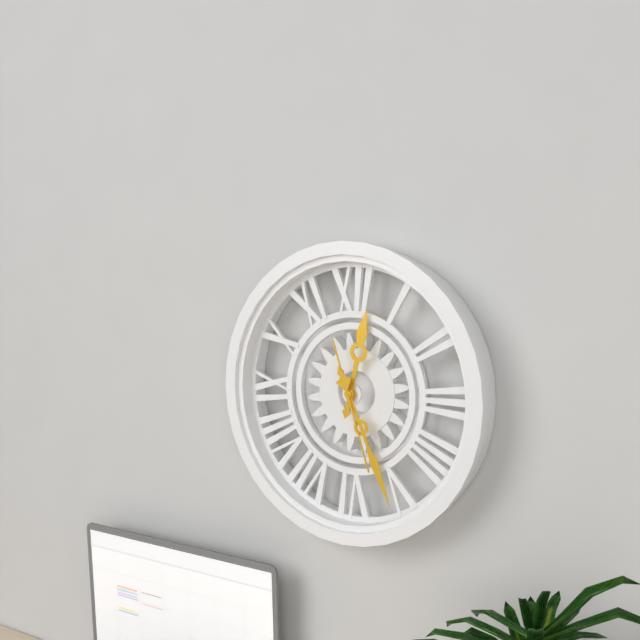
h=12 m=26 s=27
